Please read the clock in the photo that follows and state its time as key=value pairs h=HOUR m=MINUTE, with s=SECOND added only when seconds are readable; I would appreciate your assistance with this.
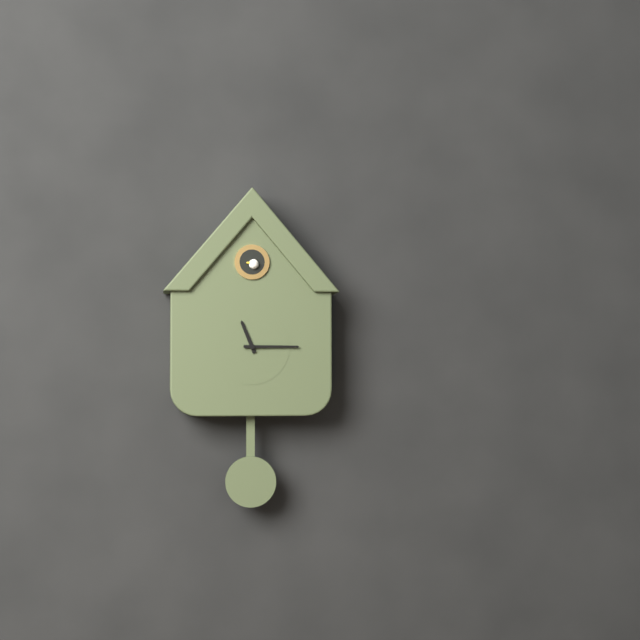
h=11 m=15
